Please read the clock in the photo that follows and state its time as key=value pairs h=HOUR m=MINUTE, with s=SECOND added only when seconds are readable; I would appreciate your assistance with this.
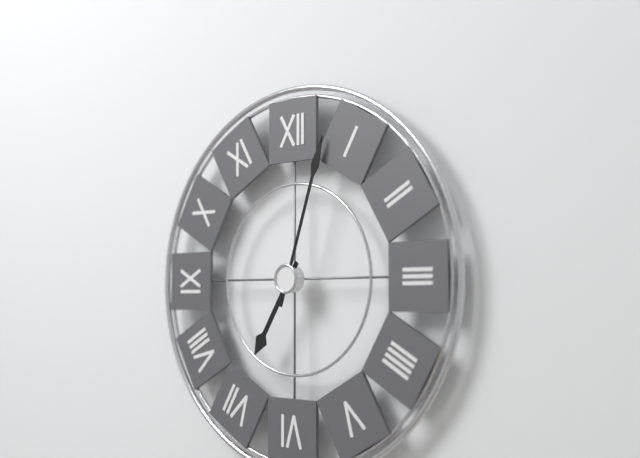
h=7 m=3
